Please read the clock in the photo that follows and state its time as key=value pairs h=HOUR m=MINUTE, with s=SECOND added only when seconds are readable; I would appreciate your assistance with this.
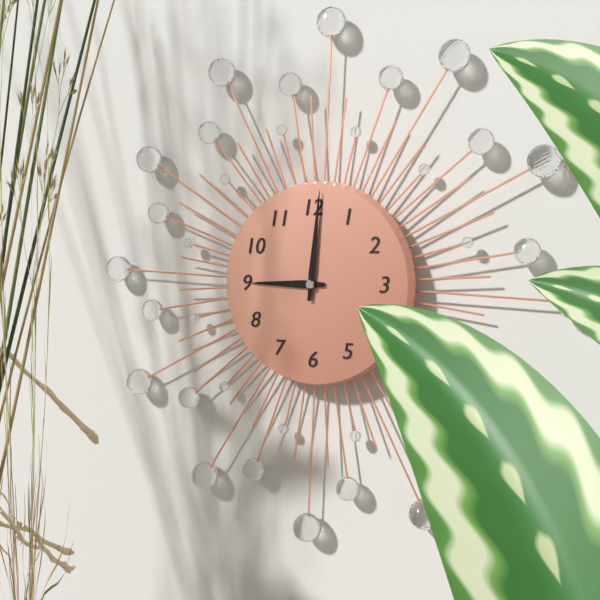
h=9 m=1
